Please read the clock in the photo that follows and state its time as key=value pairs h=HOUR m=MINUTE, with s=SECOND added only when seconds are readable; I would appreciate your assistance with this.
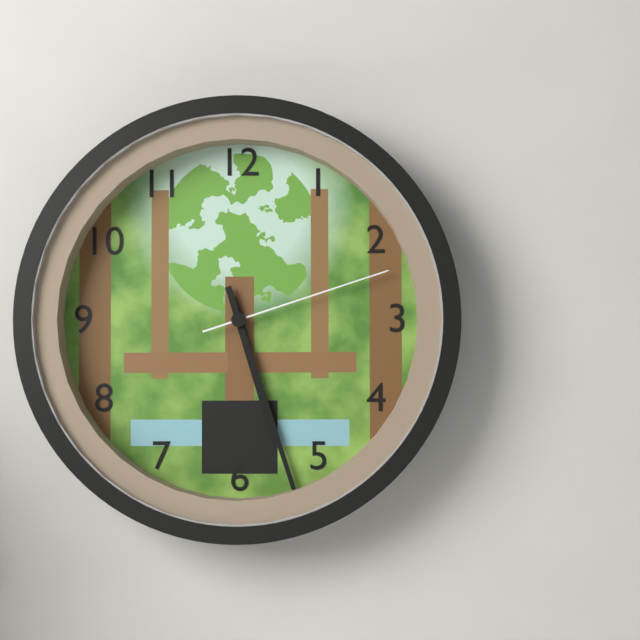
h=5 m=27 s=12
